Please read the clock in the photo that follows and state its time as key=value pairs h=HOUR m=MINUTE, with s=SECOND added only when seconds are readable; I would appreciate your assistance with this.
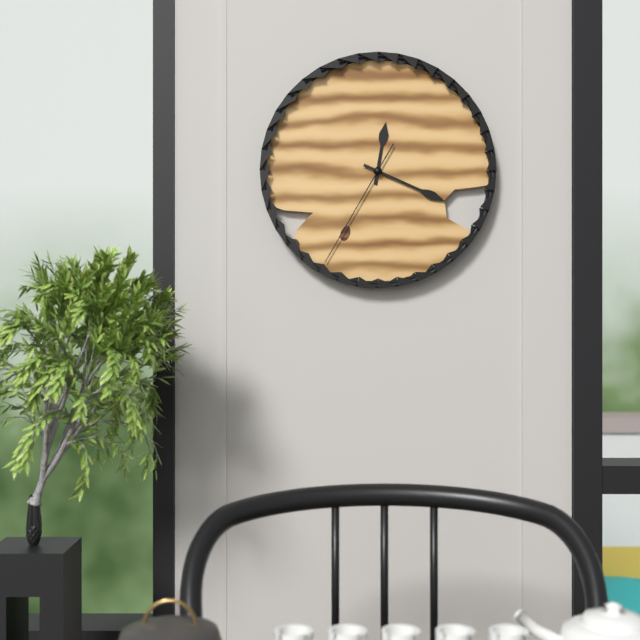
h=12 m=19 s=35
